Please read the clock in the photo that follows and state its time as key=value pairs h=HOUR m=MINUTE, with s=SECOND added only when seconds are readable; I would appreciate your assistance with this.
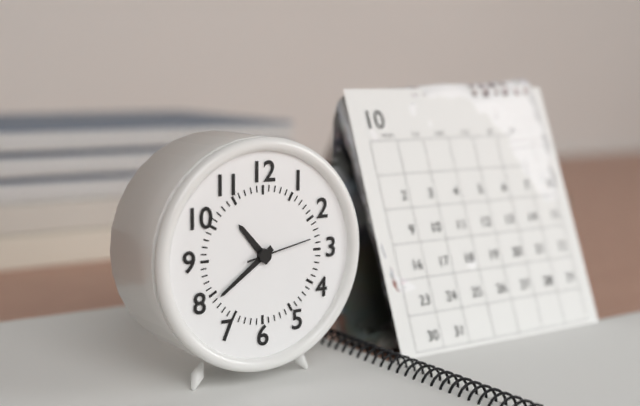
h=10 m=39 s=13
